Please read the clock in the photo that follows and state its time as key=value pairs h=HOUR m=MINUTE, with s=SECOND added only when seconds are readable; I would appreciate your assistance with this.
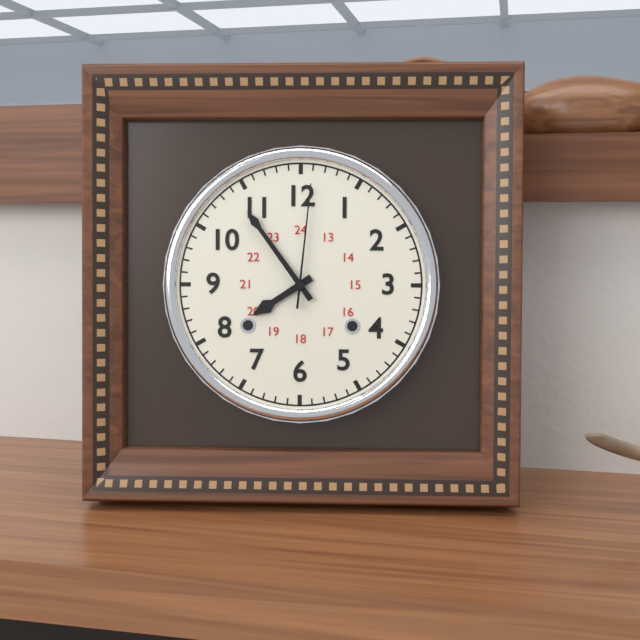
h=7 m=54 s=1
